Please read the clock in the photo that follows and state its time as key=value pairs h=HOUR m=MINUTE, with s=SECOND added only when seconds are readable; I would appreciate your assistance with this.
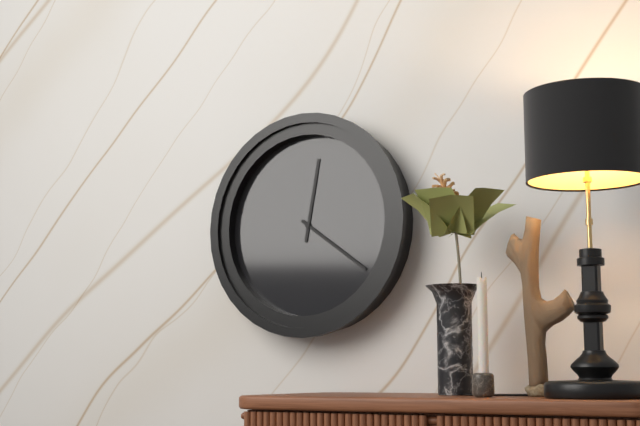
h=12 m=21
